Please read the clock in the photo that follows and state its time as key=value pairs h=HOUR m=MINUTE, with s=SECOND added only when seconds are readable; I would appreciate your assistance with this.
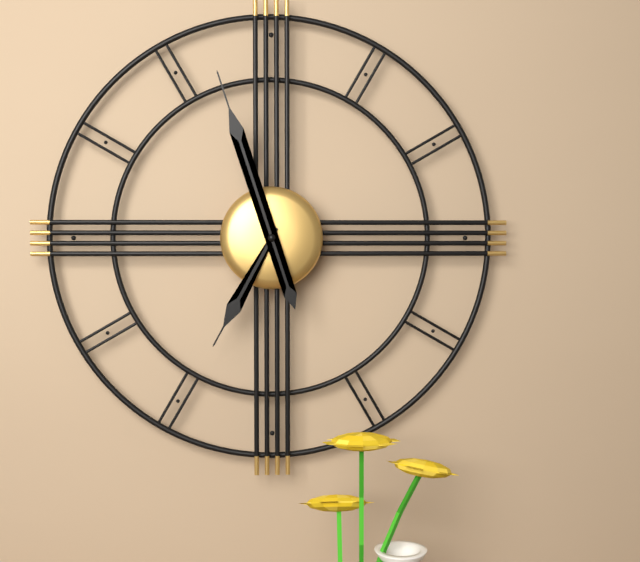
h=6 m=57
